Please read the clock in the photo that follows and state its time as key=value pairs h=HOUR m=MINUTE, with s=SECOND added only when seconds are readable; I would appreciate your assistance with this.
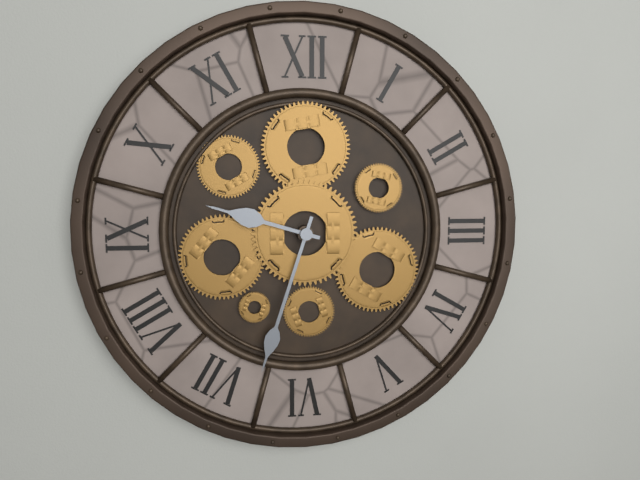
h=9 m=33
